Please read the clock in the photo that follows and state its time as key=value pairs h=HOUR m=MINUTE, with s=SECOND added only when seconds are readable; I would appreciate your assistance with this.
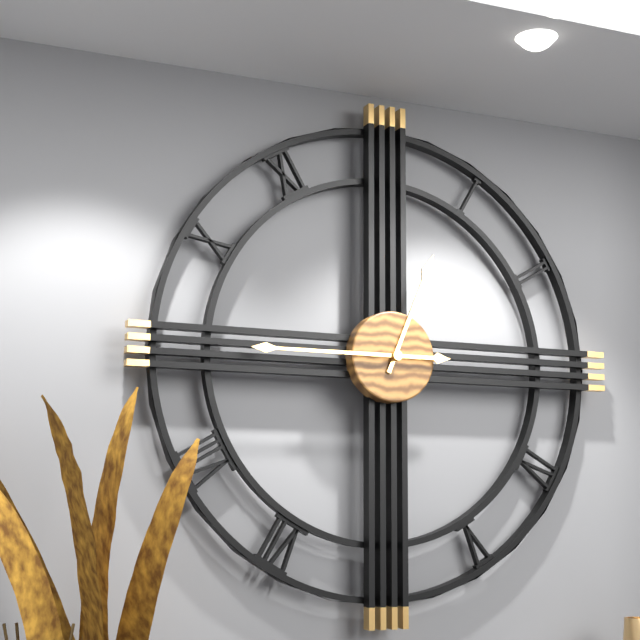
h=12 m=45
